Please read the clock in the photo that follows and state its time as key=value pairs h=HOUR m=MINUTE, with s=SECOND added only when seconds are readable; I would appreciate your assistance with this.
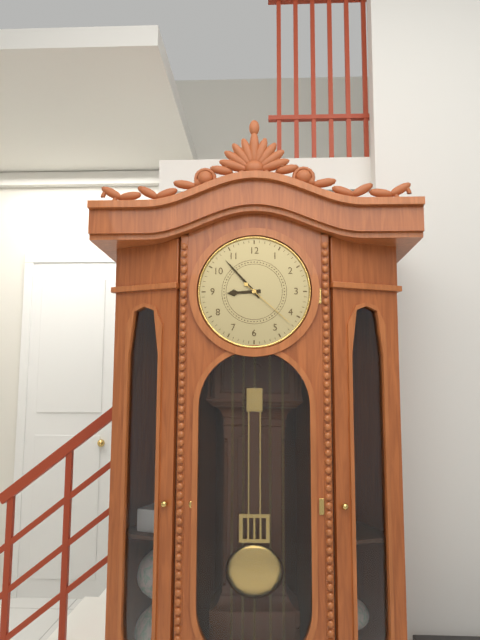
h=8 m=53 s=22
